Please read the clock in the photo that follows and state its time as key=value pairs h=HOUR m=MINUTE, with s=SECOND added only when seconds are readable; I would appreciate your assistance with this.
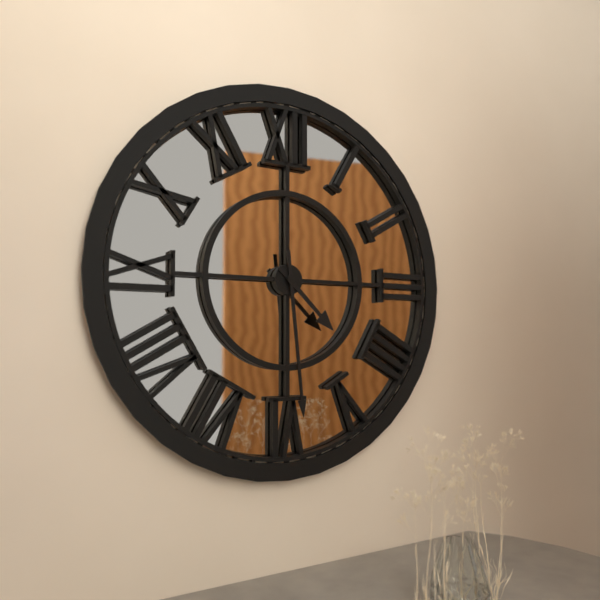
h=4 m=29
